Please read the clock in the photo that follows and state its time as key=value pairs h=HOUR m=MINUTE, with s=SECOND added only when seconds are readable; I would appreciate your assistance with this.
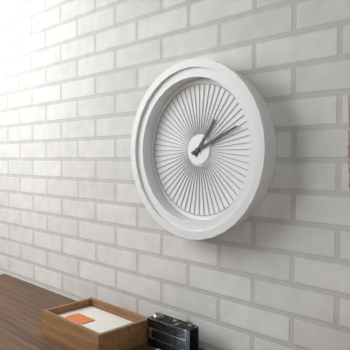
h=1 m=11
